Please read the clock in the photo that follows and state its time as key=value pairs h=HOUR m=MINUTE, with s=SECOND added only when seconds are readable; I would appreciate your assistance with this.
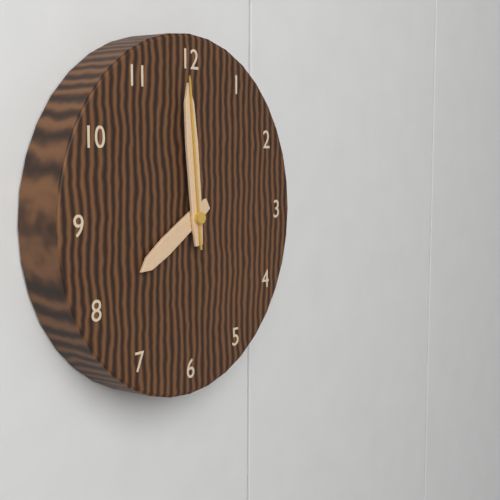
h=7 m=59 s=59
